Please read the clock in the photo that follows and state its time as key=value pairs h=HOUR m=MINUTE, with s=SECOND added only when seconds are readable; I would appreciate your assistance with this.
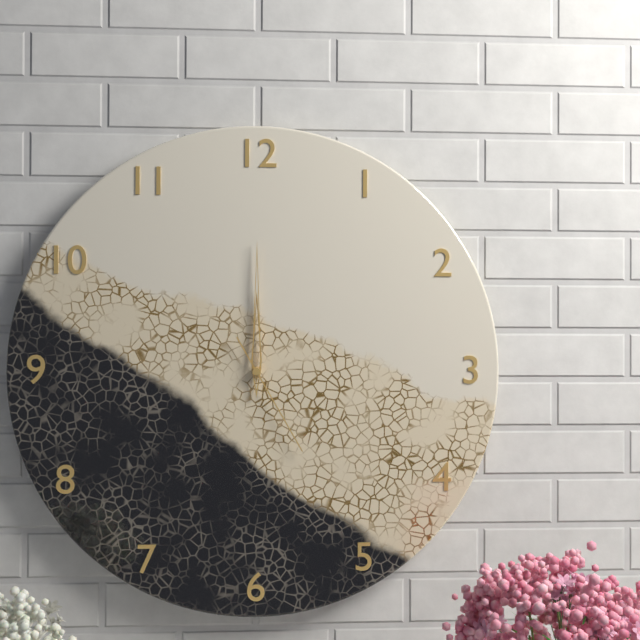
h=12 m=0 s=25
